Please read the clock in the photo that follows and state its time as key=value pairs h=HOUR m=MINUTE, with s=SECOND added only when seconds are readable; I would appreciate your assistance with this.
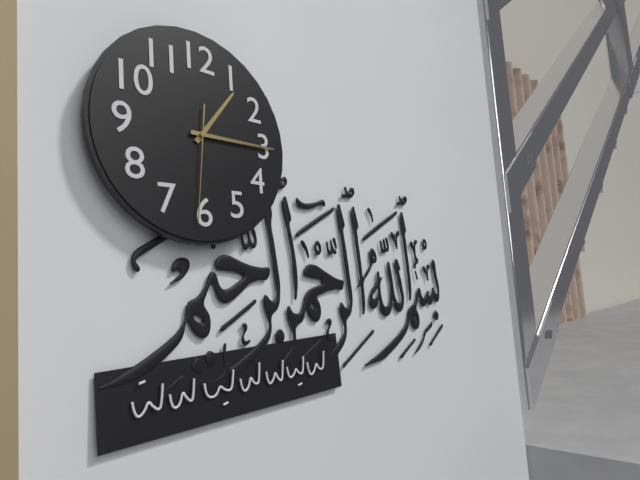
h=1 m=15 s=31
